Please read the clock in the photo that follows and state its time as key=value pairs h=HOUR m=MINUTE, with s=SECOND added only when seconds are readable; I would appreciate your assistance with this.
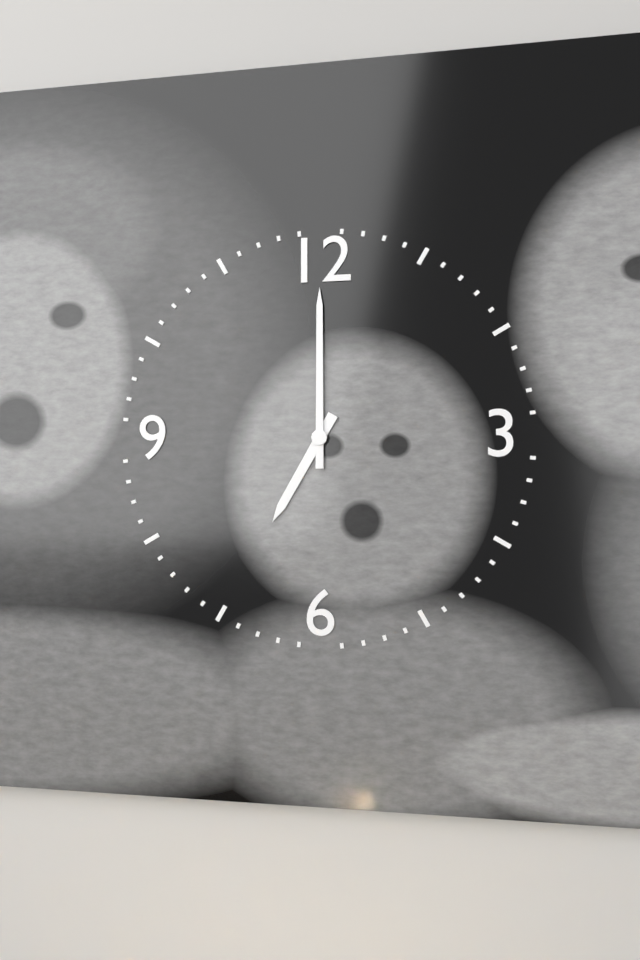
h=7 m=0
